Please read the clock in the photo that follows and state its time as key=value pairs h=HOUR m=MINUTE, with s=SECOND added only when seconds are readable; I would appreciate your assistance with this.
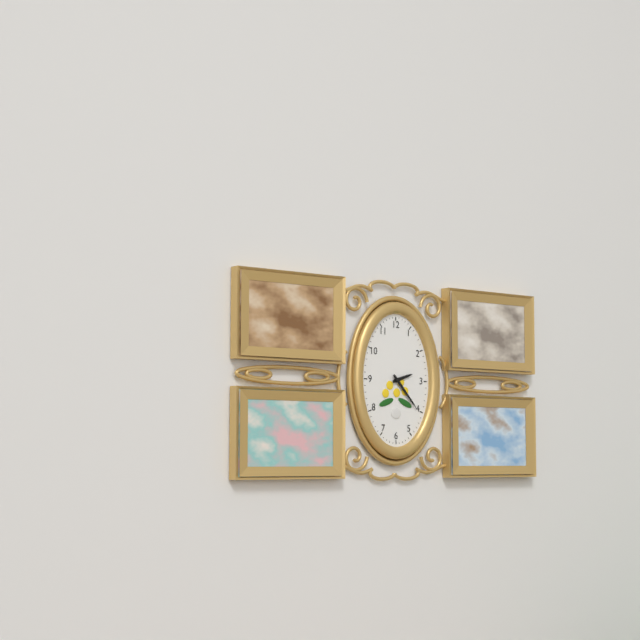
h=2 m=23
